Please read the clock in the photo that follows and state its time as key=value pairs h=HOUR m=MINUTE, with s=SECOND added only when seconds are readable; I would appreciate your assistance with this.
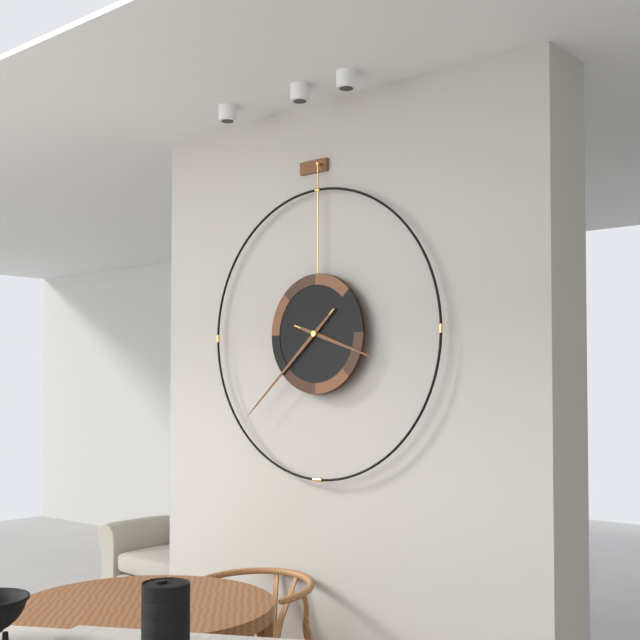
h=3 m=38
